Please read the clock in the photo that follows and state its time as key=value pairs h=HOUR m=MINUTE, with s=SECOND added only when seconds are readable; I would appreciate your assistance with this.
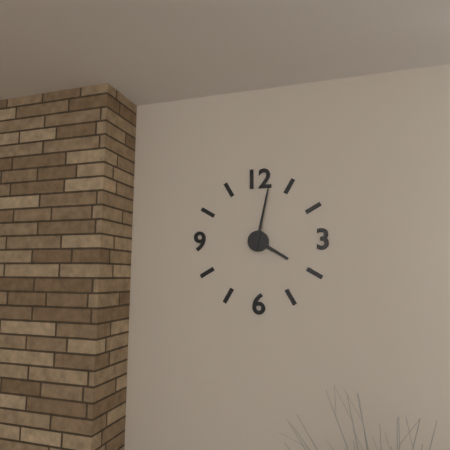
h=4 m=2
